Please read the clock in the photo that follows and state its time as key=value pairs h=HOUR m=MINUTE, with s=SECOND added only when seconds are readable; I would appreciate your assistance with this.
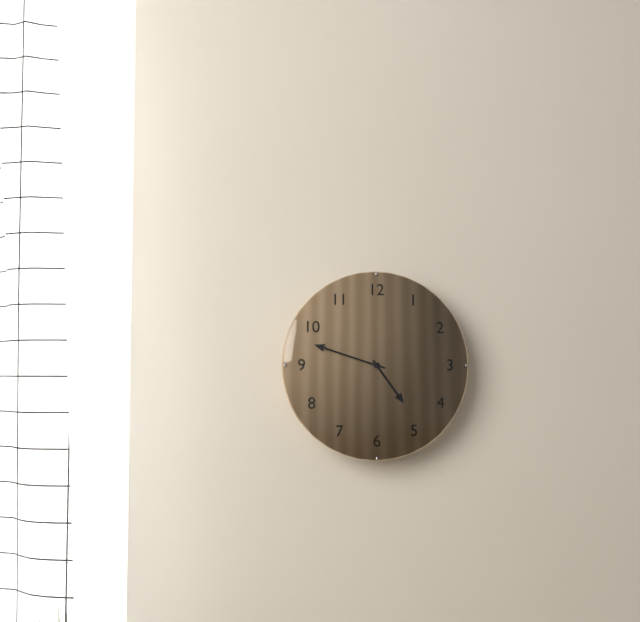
h=4 m=48
